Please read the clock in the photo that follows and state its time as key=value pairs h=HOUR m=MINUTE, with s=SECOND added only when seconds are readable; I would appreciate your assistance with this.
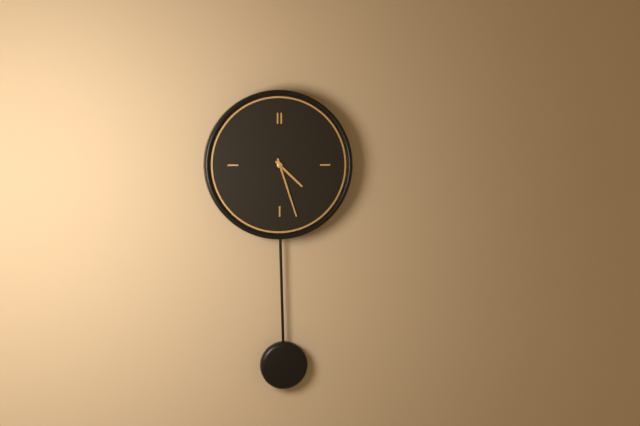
h=4 m=27
